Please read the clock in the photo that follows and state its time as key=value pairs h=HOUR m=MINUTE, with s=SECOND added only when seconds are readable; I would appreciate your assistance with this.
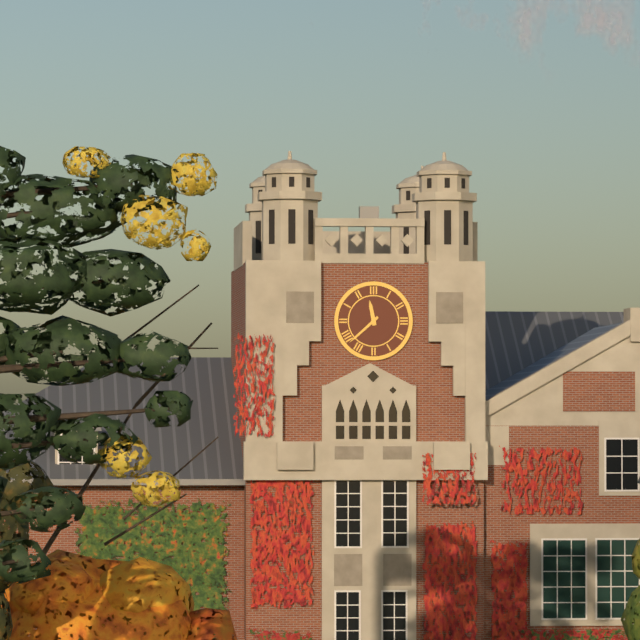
h=11 m=38
